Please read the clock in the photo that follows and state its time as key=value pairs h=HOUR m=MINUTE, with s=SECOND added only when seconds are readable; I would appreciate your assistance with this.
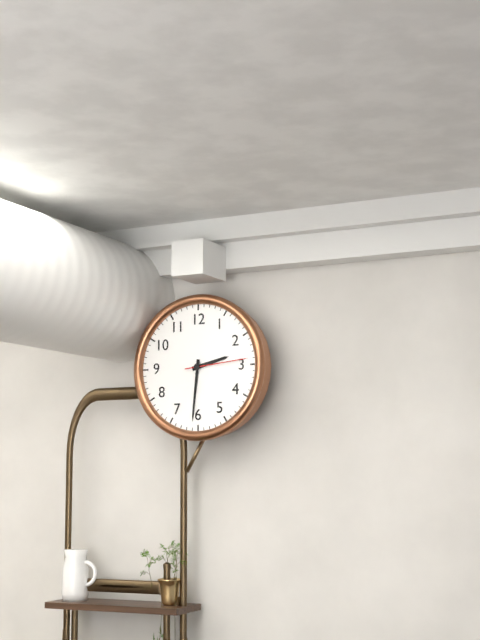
h=2 m=31 s=14
